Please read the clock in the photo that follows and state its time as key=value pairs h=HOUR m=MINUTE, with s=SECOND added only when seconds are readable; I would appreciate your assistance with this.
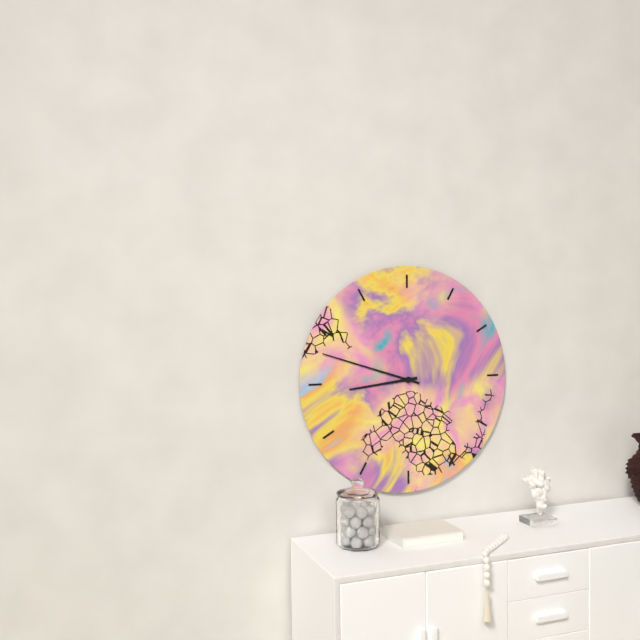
h=8 m=48
